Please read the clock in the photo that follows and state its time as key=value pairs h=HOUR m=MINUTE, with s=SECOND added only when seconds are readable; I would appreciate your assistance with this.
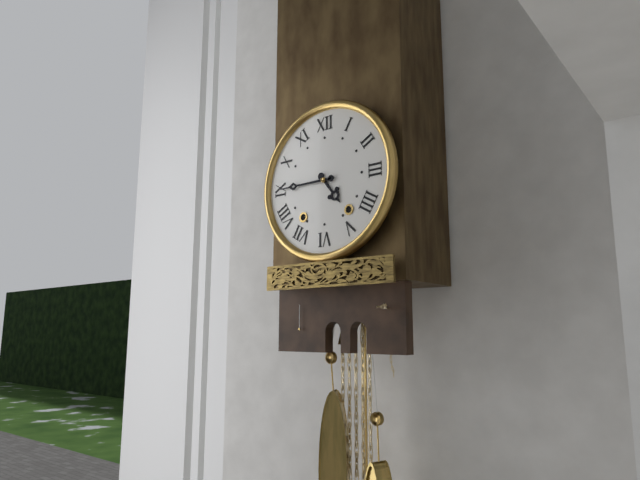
h=4 m=45
